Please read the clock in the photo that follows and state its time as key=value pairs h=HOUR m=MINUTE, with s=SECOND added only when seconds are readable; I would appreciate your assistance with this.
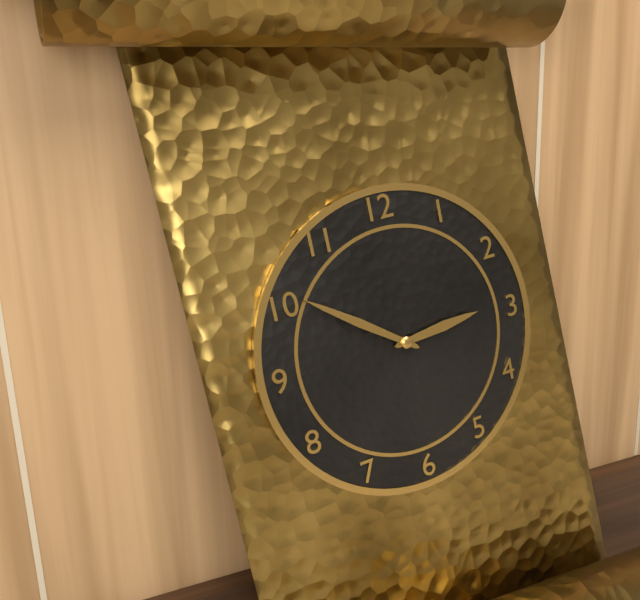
h=2 m=51
